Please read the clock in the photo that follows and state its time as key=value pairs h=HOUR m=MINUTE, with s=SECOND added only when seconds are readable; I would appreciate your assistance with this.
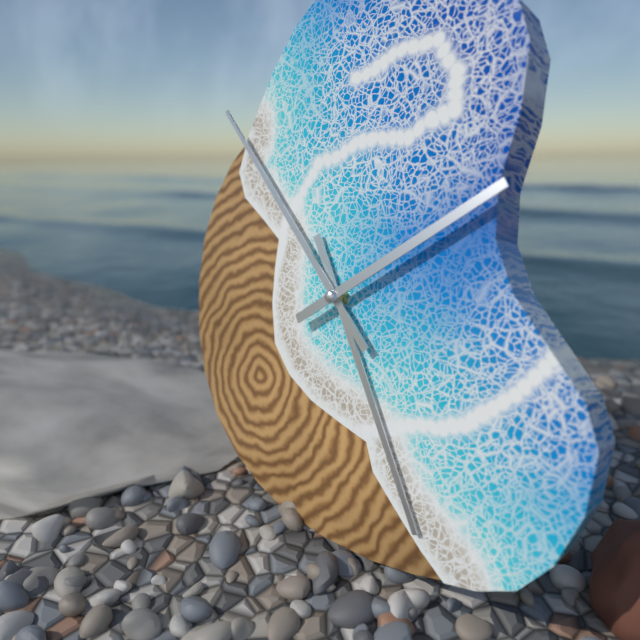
h=4 m=52 s=9
